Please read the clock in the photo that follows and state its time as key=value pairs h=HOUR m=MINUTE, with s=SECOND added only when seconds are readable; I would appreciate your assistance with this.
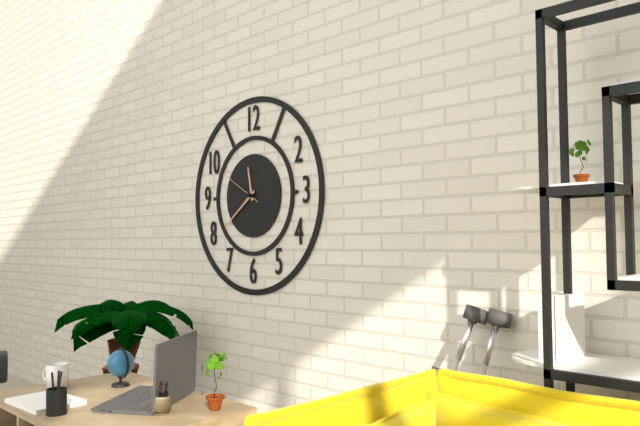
h=11 m=39
